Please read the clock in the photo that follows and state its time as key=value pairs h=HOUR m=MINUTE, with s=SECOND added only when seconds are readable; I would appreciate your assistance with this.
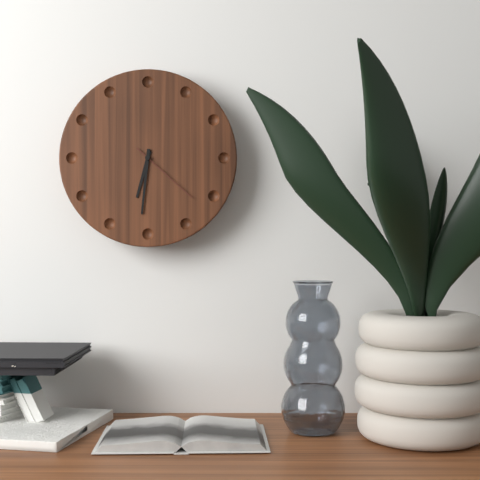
h=6 m=31 s=22
